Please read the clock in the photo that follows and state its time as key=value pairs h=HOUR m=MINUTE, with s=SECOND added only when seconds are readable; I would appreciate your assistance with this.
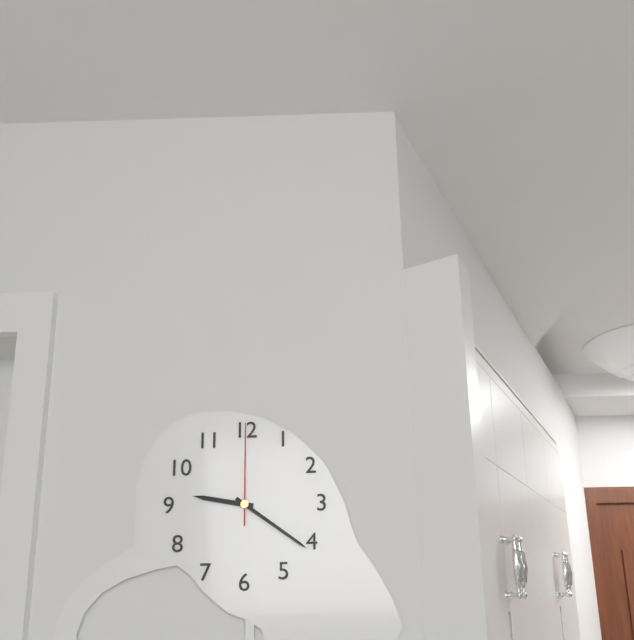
h=9 m=21 s=0
